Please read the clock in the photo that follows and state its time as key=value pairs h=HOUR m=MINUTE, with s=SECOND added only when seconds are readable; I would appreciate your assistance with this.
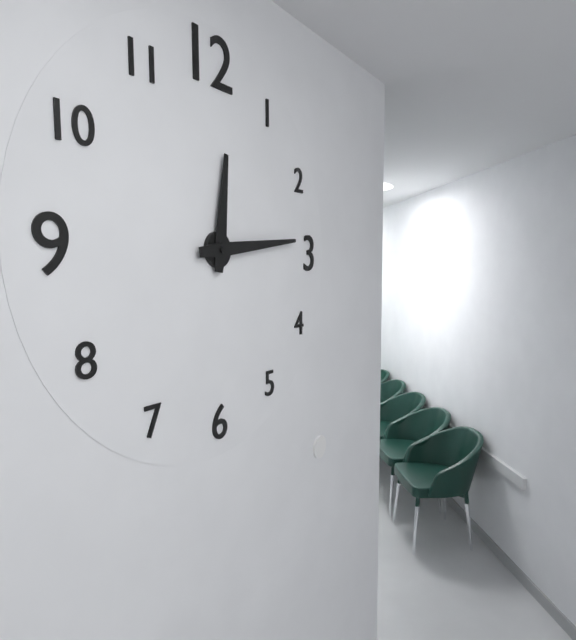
h=12 m=14
